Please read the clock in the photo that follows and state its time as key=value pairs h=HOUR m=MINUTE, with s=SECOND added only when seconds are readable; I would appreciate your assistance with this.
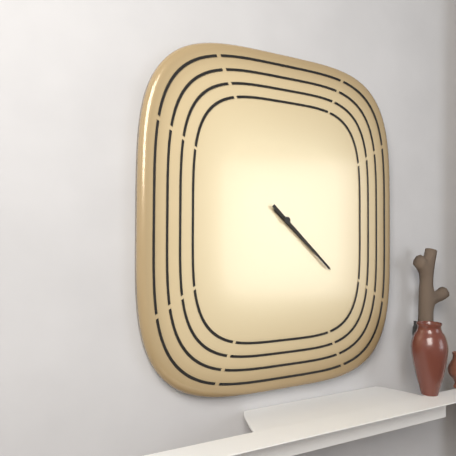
h=4 m=22
